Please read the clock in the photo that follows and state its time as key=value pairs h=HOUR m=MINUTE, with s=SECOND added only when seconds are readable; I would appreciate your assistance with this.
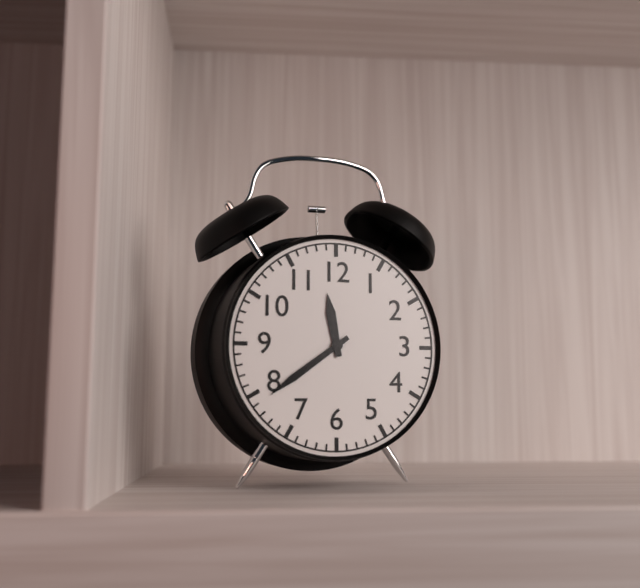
h=11 m=39
